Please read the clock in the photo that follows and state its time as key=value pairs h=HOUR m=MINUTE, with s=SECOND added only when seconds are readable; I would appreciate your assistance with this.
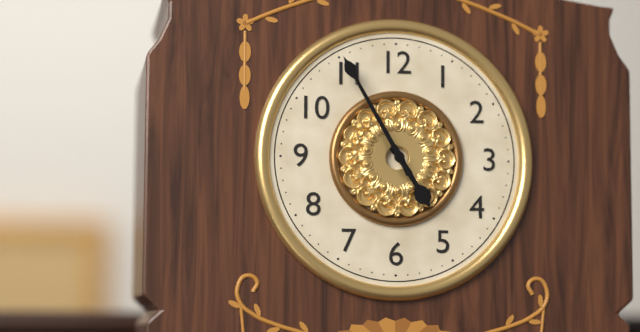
h=4 m=55
